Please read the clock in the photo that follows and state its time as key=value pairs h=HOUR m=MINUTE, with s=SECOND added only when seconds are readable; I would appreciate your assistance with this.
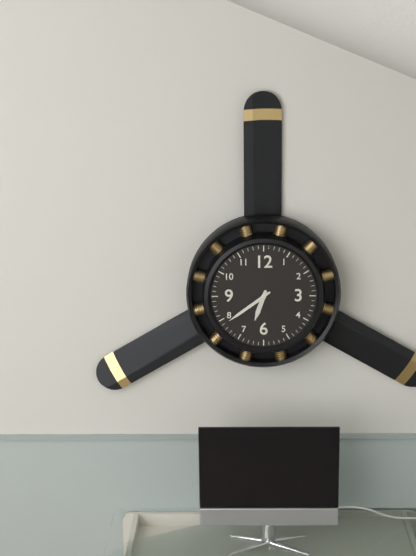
h=6 m=39
